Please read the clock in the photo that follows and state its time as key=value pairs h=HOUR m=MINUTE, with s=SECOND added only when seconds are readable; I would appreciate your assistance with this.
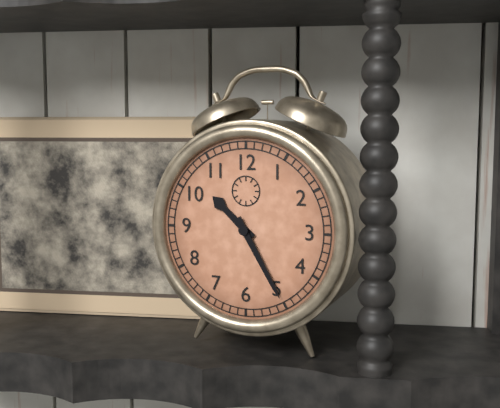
h=10 m=25
